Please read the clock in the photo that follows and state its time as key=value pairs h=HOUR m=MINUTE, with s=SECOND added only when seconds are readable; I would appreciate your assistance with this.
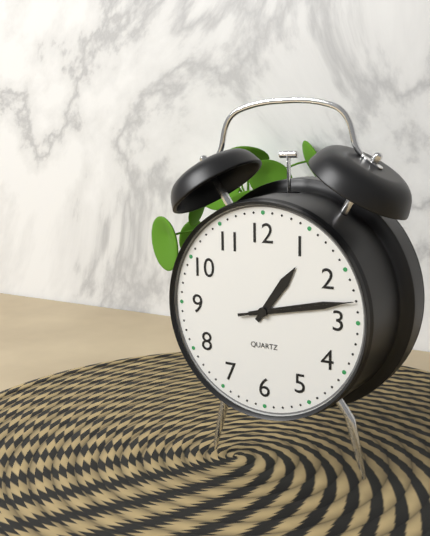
h=1 m=13 s=13
